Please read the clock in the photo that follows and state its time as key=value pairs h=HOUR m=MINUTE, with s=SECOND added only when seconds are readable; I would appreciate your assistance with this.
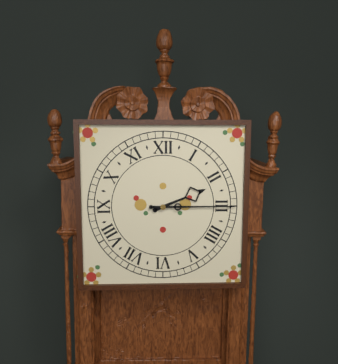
h=2 m=15
